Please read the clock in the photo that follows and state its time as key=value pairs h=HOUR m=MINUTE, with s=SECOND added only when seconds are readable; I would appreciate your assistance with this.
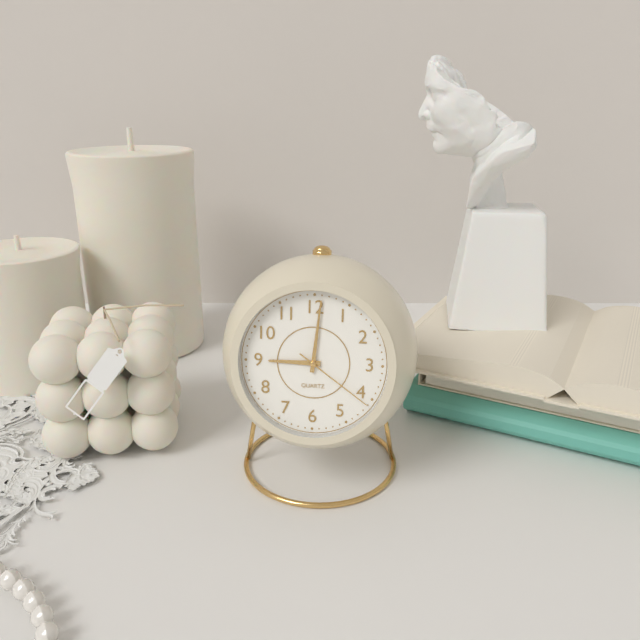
h=9 m=1 s=21
